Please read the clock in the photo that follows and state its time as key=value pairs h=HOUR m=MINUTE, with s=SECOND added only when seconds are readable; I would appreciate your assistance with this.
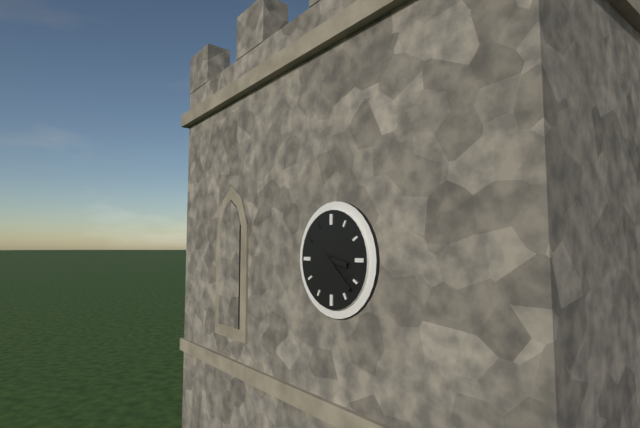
h=3 m=22
